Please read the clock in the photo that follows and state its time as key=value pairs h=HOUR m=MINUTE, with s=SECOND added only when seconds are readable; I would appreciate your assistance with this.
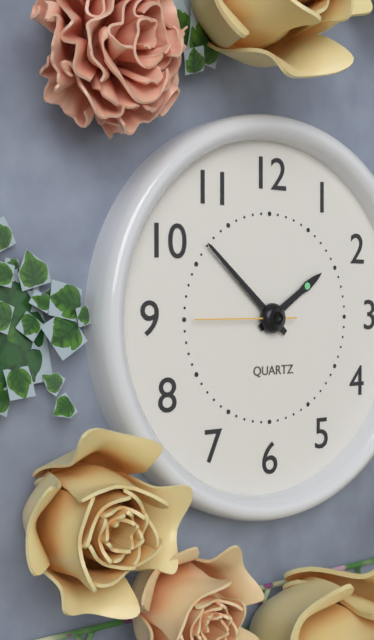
h=1 m=52 s=45
